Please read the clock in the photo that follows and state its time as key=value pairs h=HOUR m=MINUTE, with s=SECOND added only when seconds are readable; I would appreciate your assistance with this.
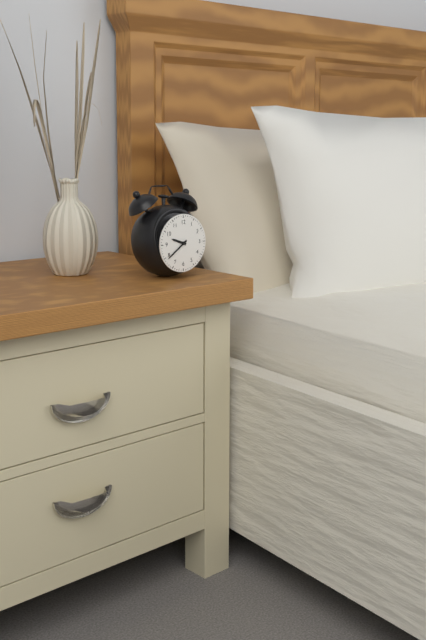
h=9 m=39
